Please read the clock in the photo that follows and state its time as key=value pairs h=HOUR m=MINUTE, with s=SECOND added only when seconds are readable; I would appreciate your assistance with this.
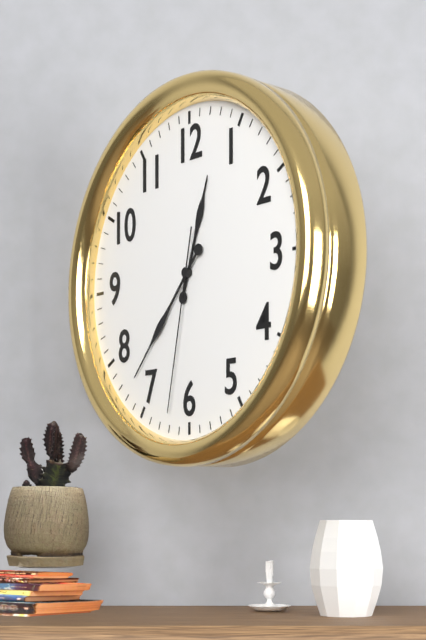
h=12 m=37 s=32
